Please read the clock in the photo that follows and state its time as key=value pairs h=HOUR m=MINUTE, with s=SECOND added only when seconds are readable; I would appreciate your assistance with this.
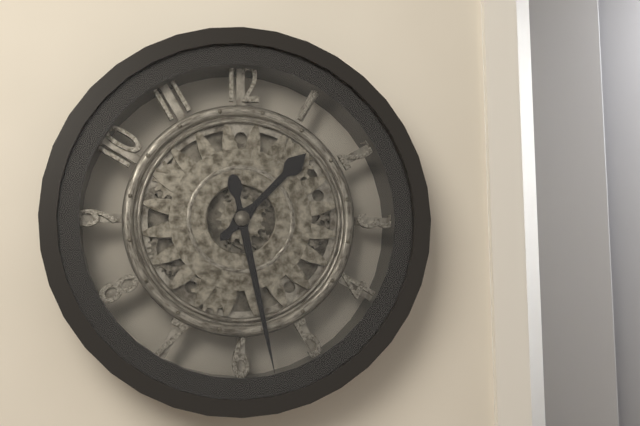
h=1 m=28
